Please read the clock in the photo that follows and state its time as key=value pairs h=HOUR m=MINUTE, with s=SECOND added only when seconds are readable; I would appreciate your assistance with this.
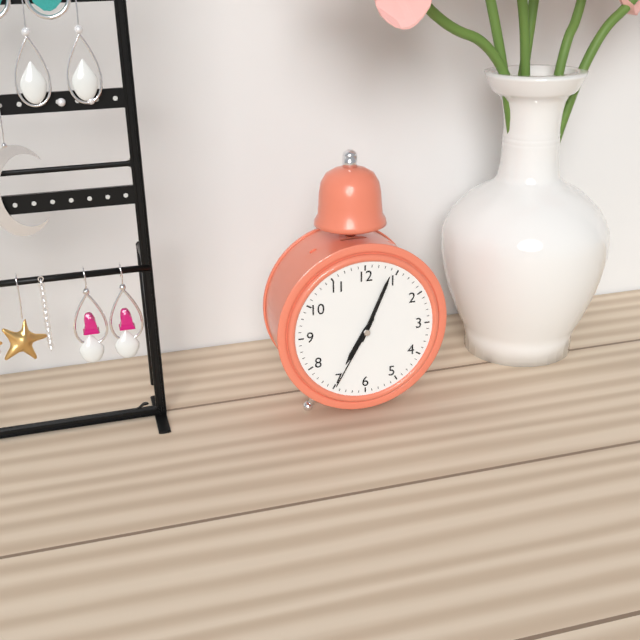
h=7 m=4 s=35
